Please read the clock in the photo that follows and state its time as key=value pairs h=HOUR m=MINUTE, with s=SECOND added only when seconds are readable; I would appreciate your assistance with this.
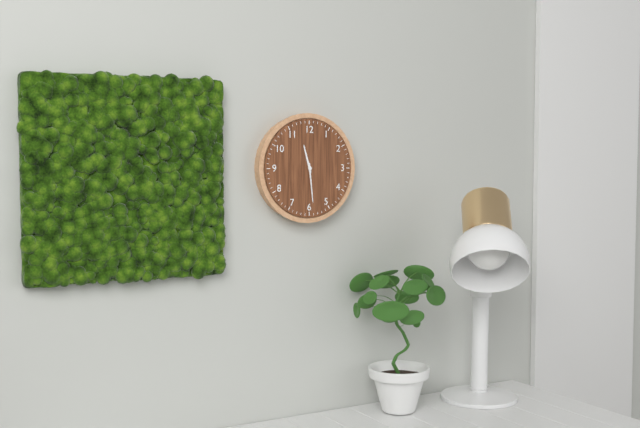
h=11 m=29
